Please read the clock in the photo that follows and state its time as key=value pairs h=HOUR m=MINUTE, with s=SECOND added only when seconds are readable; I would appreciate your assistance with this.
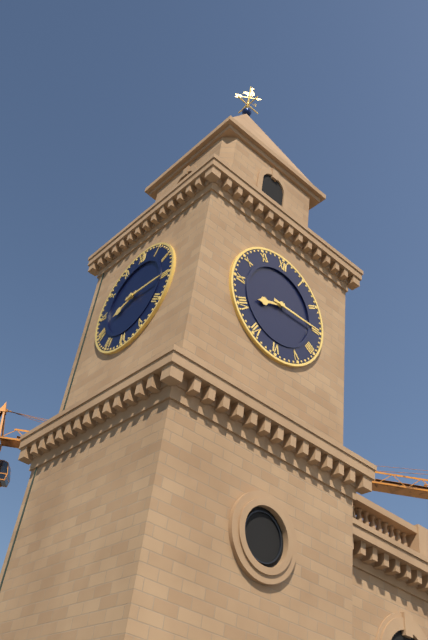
h=8 m=15
